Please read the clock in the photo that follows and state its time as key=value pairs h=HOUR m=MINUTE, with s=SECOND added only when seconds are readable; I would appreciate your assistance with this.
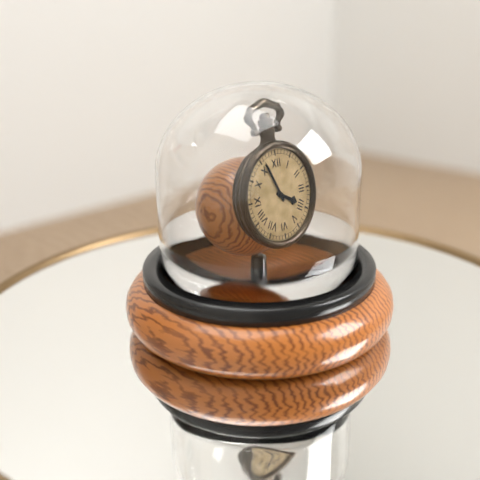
h=3 m=56
